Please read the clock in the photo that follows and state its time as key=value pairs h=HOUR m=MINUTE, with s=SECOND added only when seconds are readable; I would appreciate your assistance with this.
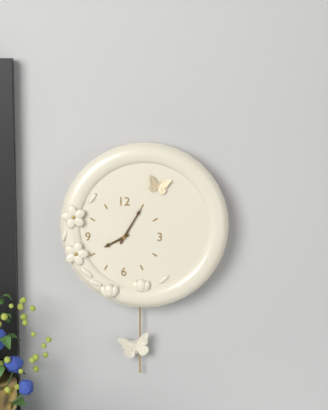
h=8 m=5
